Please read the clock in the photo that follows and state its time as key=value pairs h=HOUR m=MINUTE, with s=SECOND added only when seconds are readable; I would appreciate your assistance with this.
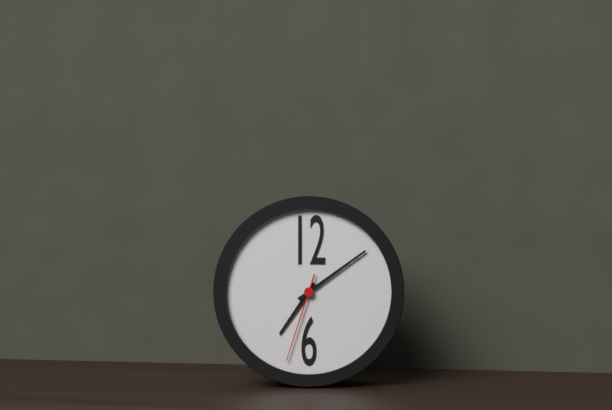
h=7 m=9 s=33
